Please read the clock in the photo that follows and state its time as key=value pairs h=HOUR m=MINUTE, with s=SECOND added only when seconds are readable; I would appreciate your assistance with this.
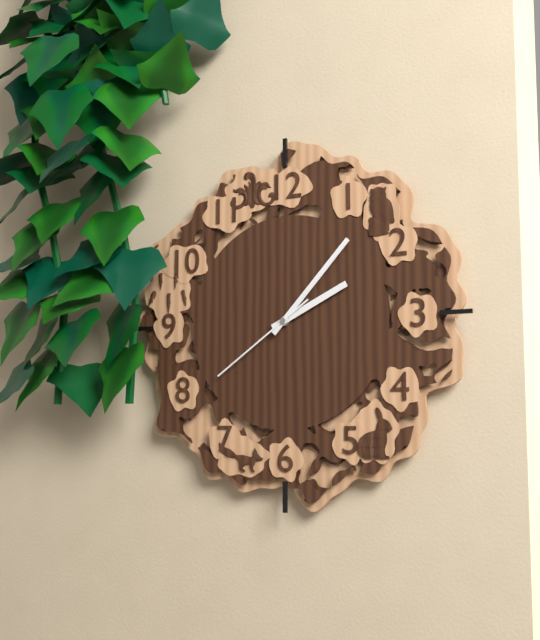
h=2 m=7 s=39
